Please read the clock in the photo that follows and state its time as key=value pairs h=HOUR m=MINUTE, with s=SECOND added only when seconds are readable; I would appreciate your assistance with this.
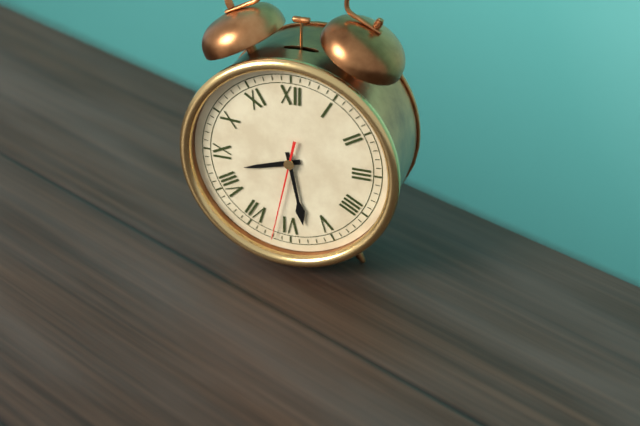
h=8 m=28 s=32
